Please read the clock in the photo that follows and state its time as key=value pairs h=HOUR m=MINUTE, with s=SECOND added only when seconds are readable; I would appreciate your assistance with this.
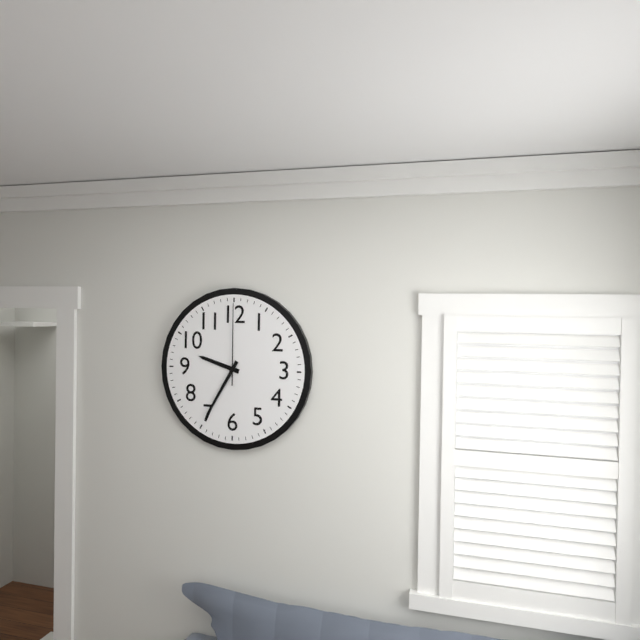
h=9 m=35 s=0
